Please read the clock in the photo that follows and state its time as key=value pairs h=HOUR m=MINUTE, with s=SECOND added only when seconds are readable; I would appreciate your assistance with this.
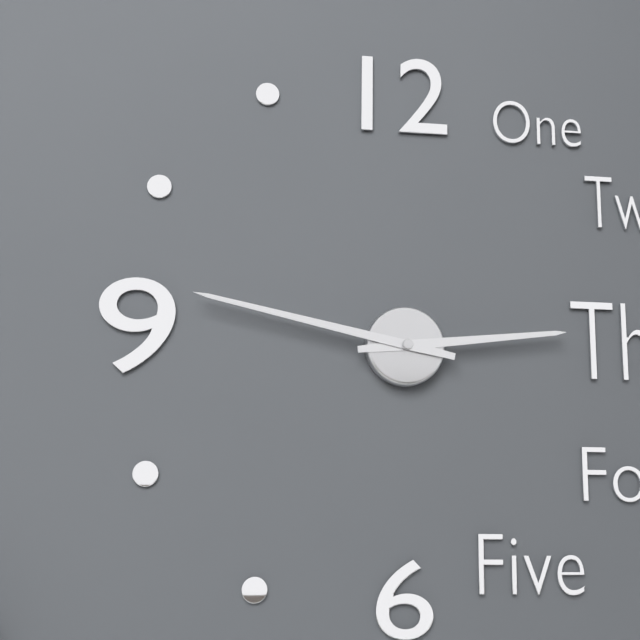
h=2 m=47
